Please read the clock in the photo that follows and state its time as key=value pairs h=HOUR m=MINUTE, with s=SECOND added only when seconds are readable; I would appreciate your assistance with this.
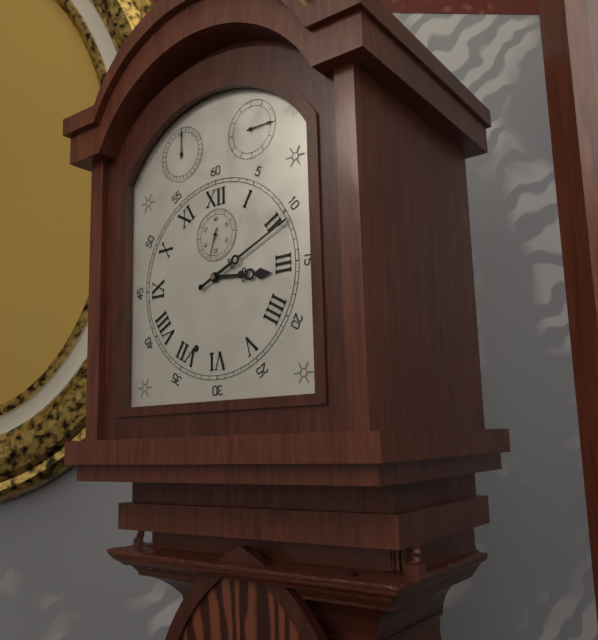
h=3 m=11
